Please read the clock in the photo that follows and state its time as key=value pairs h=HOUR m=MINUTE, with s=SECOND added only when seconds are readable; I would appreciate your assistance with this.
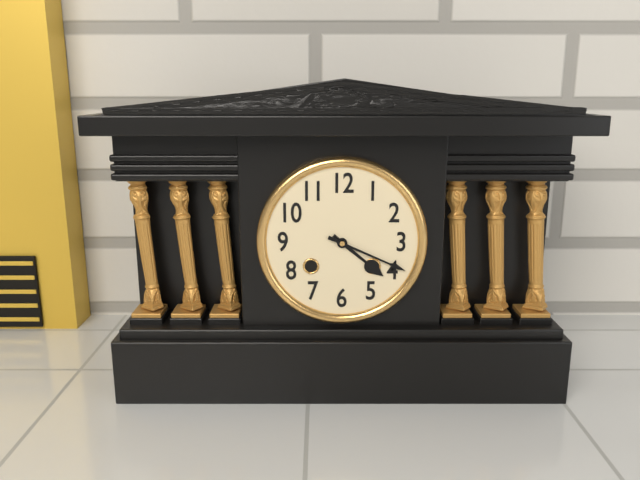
h=4 m=19
